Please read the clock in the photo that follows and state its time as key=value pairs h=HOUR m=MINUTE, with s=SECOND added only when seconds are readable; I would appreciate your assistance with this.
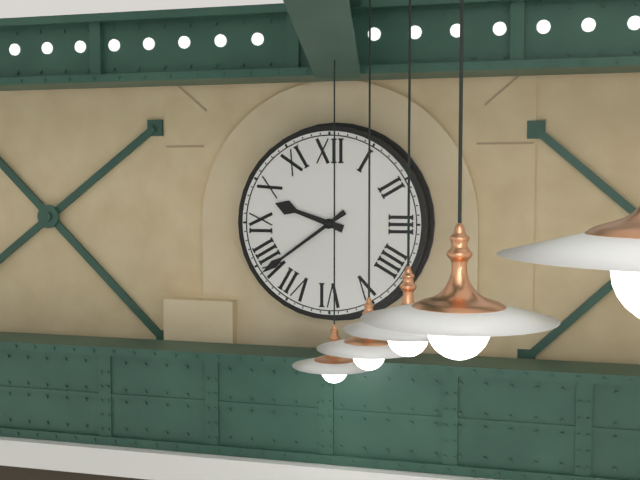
h=9 m=39
